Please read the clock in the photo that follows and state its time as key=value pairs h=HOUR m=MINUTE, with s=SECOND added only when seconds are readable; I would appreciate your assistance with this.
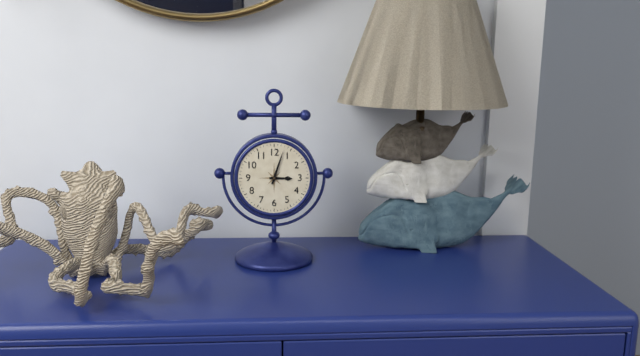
h=3 m=3
